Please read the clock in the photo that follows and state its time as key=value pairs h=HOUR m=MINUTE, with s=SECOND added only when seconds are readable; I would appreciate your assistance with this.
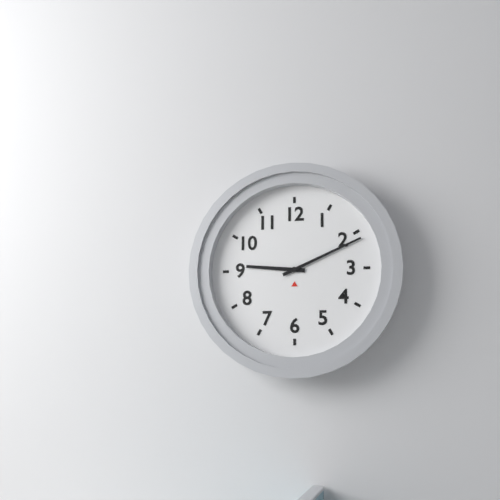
h=9 m=11
